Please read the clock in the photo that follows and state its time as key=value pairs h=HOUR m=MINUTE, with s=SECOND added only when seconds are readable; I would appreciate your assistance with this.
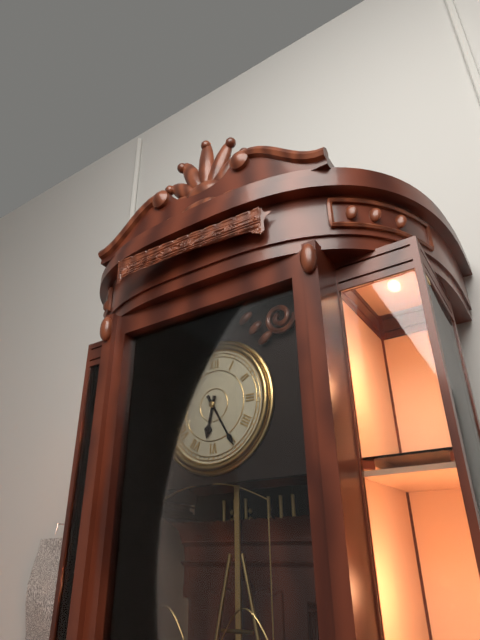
h=6 m=25
